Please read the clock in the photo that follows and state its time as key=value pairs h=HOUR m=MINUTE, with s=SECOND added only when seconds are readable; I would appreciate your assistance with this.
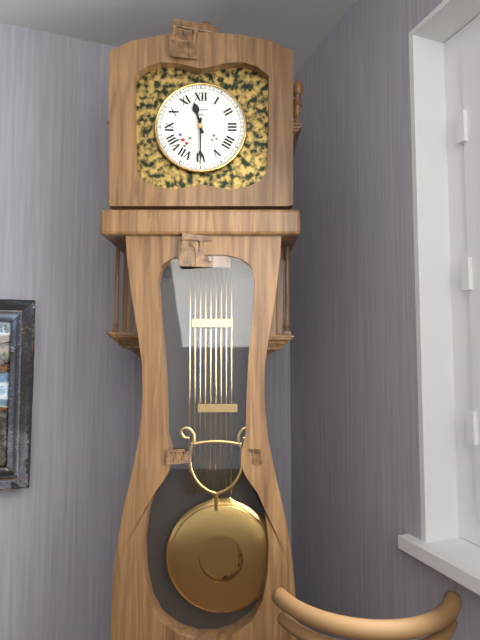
h=11 m=30
